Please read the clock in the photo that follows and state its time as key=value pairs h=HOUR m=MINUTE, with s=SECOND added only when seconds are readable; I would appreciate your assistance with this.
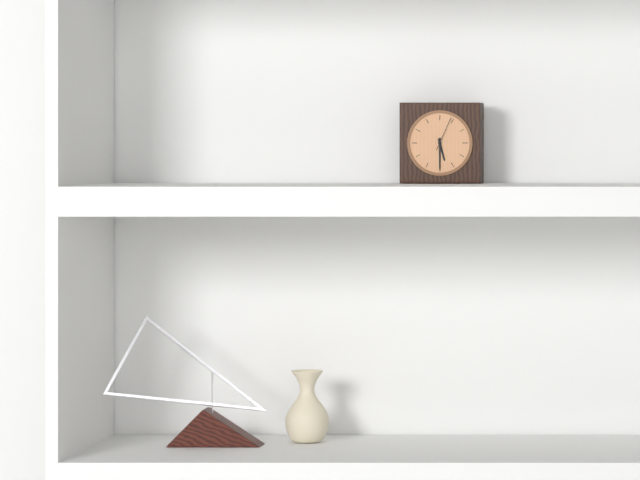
h=5 m=30
